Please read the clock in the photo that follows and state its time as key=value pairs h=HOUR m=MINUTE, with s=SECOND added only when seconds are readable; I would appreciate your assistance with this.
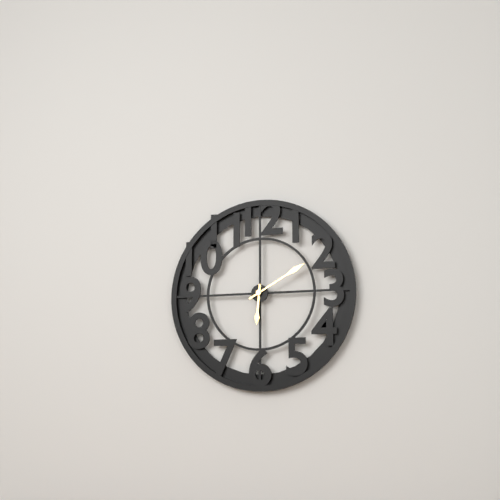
h=6 m=10
